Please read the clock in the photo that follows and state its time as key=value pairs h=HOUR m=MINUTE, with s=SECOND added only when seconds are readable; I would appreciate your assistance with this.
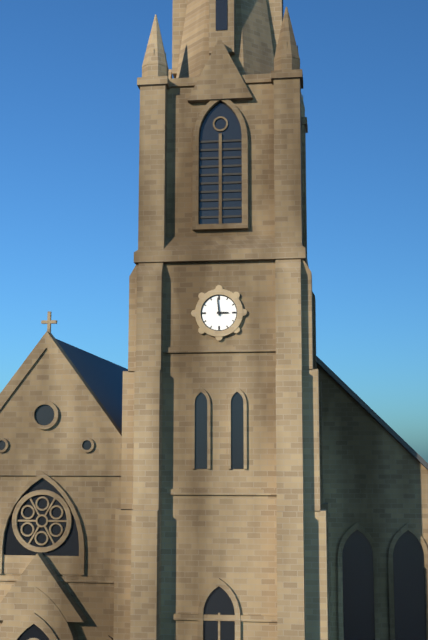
h=2 m=59
